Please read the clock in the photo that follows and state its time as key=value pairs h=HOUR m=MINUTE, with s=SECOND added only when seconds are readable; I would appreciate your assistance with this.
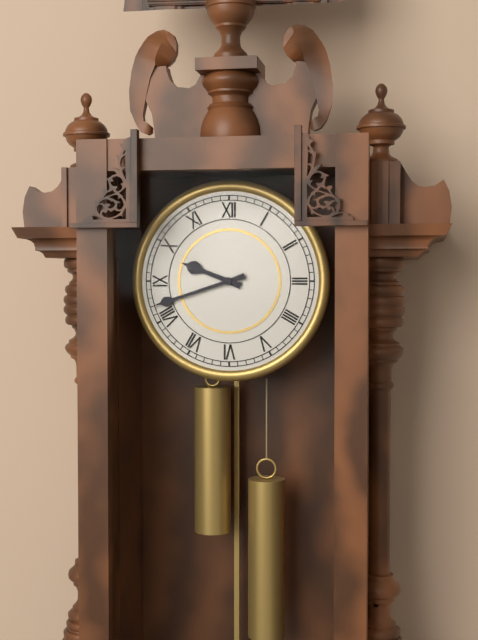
h=9 m=42
